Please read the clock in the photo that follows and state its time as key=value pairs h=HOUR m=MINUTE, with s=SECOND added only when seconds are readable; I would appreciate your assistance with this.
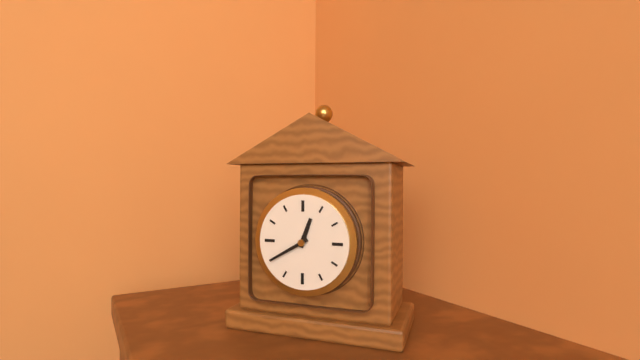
h=12 m=40
